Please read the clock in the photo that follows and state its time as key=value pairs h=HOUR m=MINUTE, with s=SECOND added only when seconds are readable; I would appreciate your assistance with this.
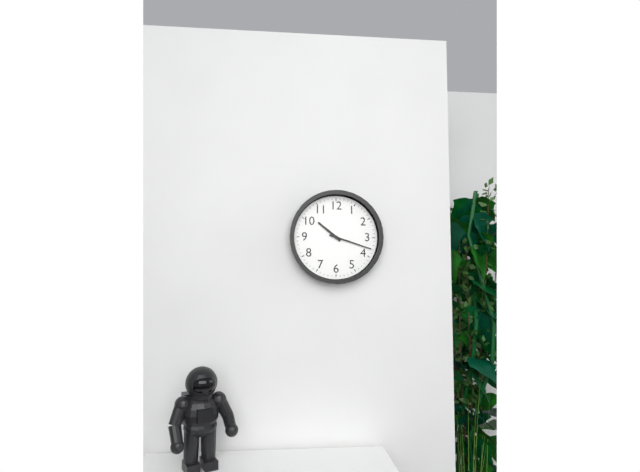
h=10 m=18
